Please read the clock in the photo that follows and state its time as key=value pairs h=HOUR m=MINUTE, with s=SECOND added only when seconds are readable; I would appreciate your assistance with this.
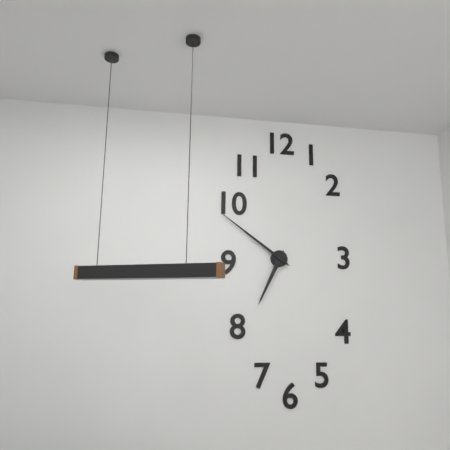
h=6 m=51
